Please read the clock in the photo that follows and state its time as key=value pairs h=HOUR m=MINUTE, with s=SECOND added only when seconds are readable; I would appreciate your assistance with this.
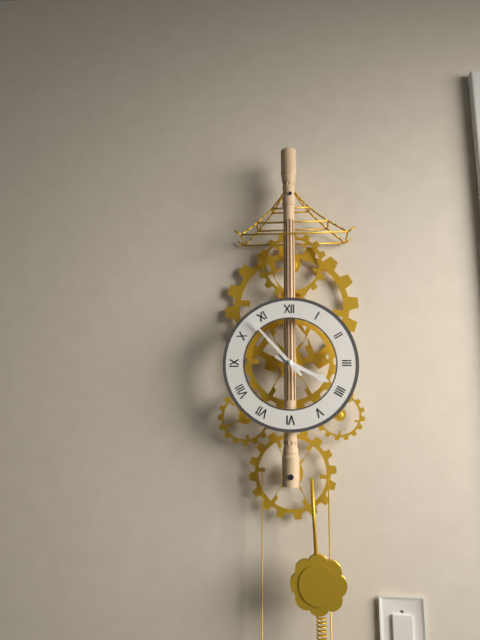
h=3 m=53
